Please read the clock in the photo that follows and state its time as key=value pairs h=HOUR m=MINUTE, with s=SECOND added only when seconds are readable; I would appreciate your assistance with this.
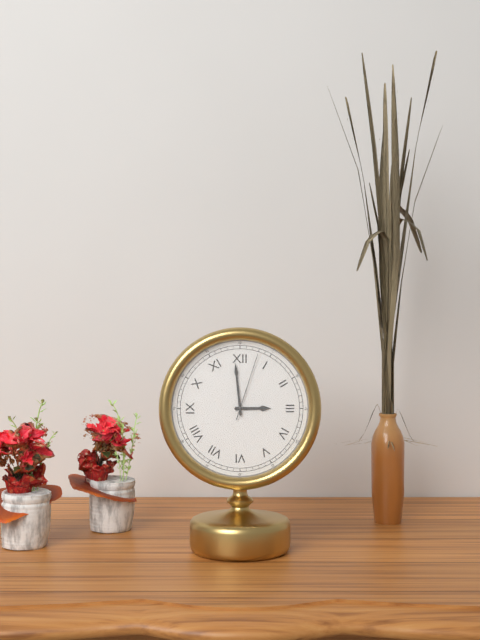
h=2 m=59 s=3
